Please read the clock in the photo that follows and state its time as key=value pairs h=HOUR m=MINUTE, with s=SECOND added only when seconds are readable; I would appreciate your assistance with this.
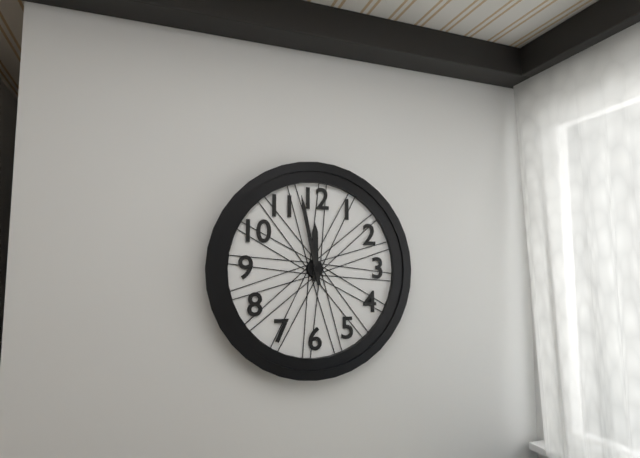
h=11 m=58
